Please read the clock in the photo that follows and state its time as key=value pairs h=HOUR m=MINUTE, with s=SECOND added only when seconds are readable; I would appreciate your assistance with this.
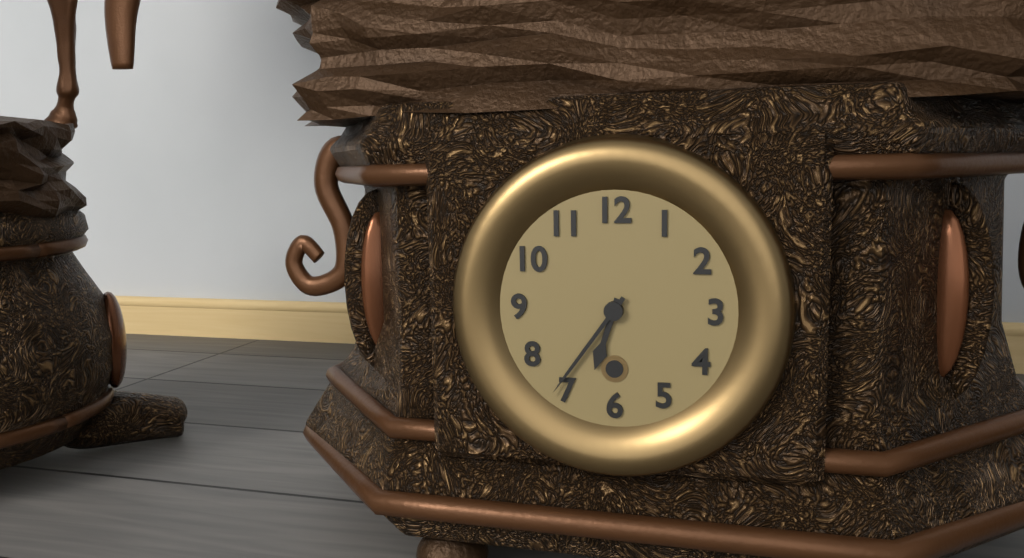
h=6 m=36
